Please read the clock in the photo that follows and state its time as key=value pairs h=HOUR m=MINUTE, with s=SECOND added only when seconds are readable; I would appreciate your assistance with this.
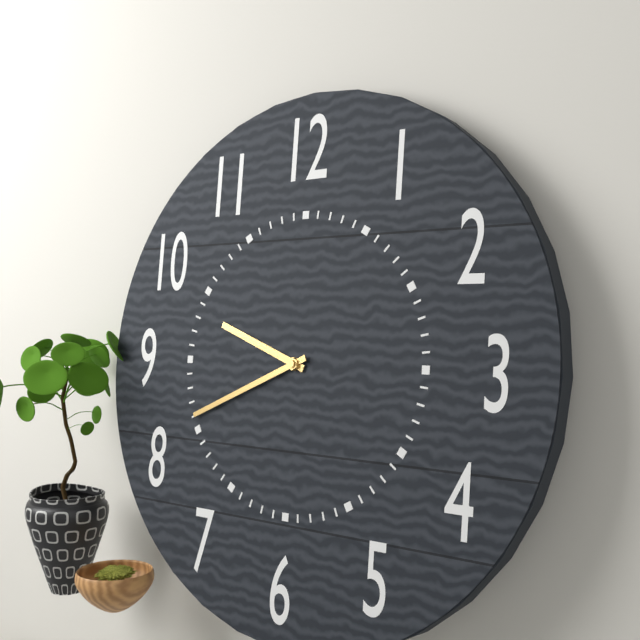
h=9 m=41
